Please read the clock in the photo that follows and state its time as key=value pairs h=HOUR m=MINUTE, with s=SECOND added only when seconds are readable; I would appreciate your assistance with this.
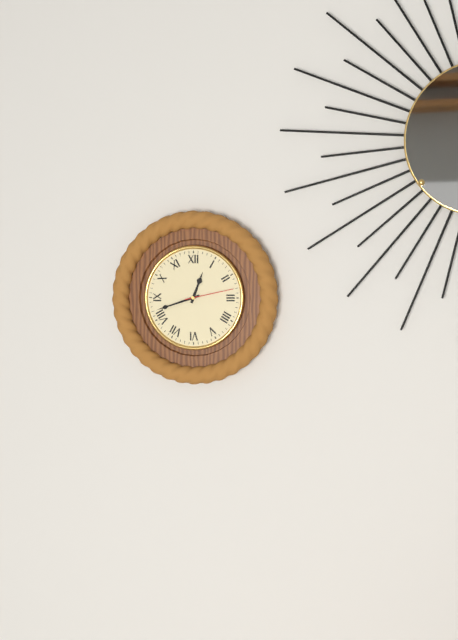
h=12 m=42
